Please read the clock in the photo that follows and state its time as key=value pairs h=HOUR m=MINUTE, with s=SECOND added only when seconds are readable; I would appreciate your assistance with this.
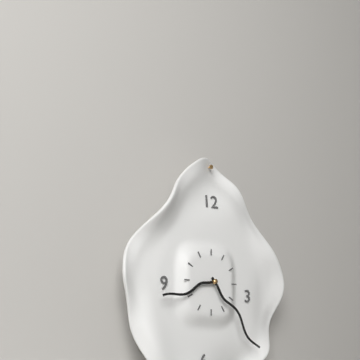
h=8 m=23
